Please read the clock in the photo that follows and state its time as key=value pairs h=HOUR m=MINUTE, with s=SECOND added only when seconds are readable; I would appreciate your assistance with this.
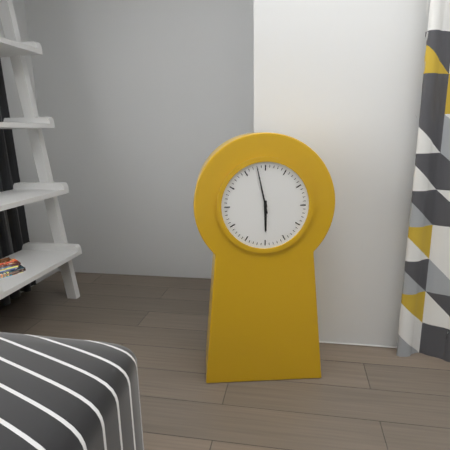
h=5 m=58
